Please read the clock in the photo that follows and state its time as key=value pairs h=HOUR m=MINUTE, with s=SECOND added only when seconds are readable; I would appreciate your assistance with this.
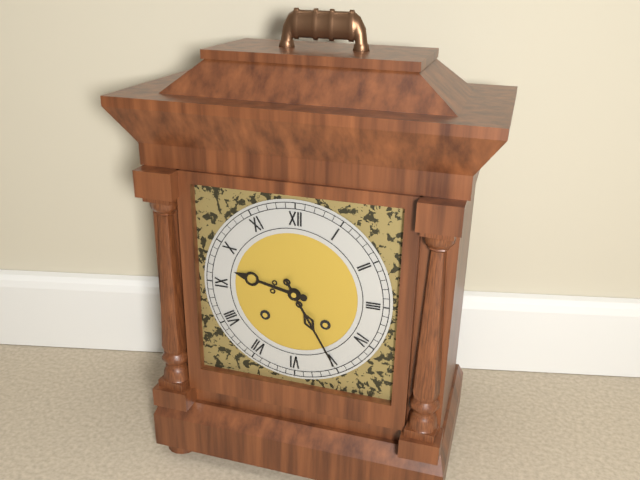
h=9 m=25
